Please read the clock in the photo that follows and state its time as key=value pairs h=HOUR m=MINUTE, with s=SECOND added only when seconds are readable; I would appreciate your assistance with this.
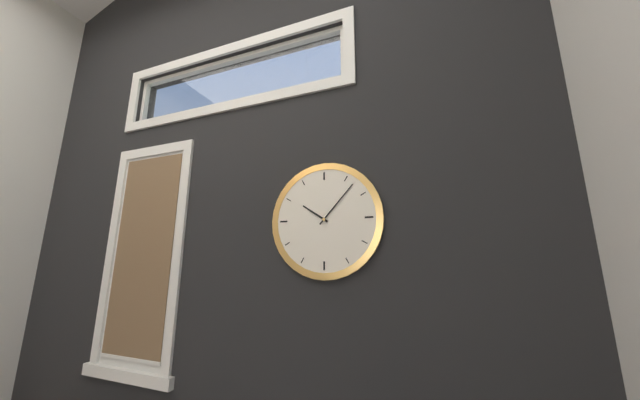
h=10 m=7
